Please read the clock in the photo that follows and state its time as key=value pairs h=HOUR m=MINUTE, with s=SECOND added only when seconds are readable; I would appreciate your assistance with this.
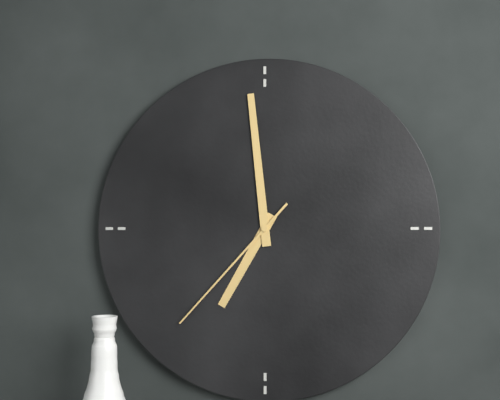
h=6 m=59 s=37
